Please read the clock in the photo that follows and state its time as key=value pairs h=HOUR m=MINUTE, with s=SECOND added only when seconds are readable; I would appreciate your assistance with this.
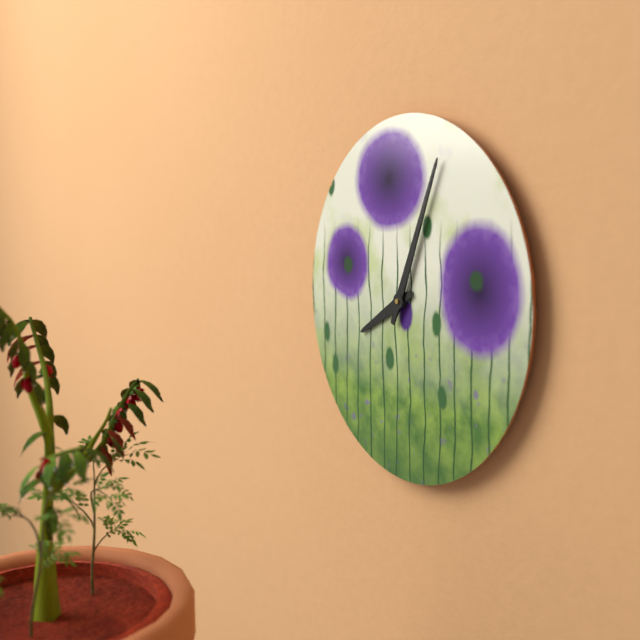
h=8 m=4
